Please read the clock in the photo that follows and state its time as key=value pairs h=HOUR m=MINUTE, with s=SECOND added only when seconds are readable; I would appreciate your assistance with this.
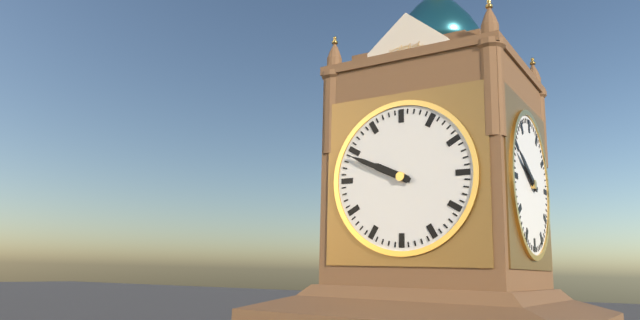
h=9 m=49
